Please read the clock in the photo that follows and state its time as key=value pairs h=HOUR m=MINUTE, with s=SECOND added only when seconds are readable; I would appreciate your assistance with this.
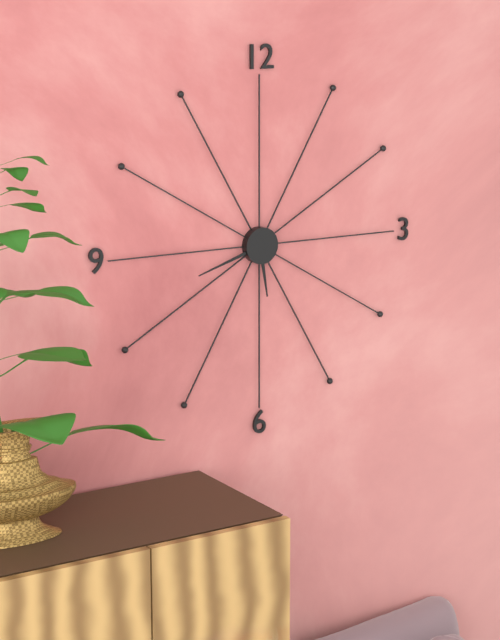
h=5 m=42
